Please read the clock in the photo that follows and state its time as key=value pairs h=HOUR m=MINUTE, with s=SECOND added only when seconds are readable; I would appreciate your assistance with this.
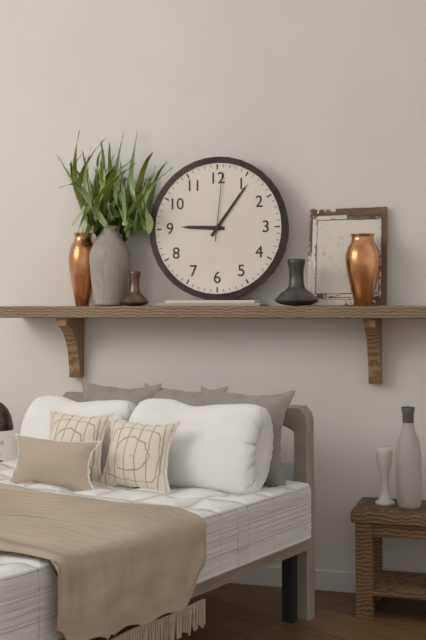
h=9 m=6 s=1
